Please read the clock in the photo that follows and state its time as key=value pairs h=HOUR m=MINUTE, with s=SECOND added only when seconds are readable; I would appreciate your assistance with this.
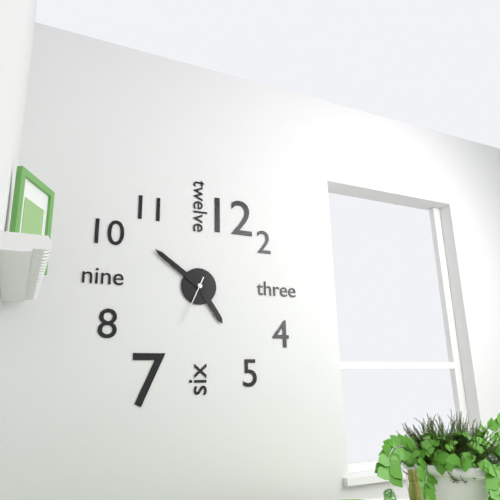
h=4 m=51 s=34
